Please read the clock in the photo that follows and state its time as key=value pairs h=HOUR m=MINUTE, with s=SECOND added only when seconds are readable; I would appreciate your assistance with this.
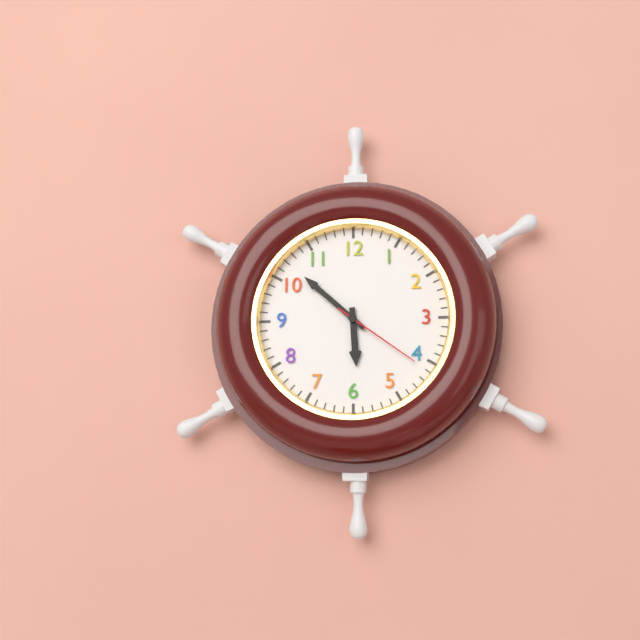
h=5 m=52 s=21
